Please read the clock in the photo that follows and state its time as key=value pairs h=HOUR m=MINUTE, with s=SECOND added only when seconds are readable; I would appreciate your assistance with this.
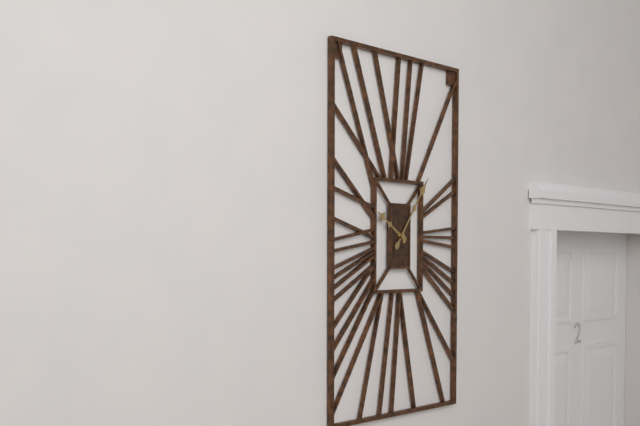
h=10 m=6
